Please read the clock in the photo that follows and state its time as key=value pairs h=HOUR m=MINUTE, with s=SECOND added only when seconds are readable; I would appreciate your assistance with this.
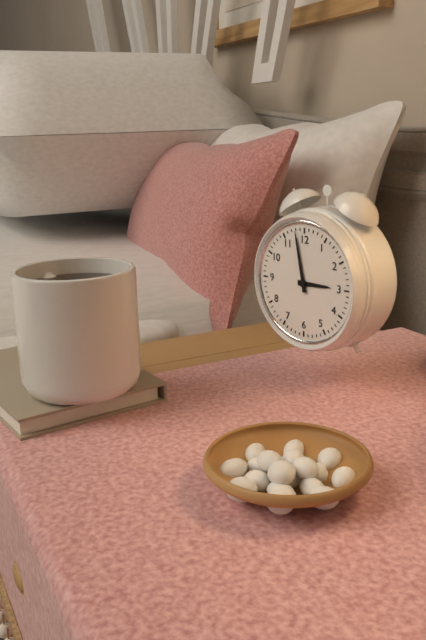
h=2 m=58
